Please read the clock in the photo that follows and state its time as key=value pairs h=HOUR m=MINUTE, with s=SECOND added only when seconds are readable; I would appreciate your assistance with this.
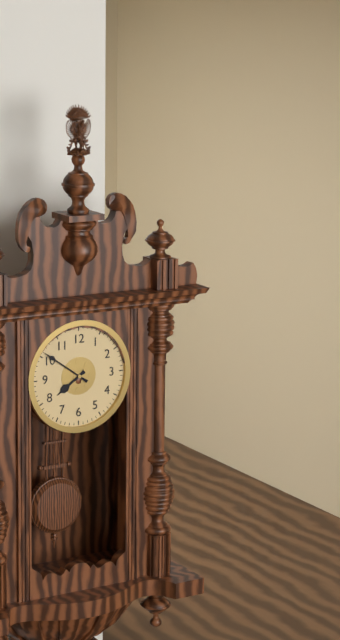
h=7 m=51
